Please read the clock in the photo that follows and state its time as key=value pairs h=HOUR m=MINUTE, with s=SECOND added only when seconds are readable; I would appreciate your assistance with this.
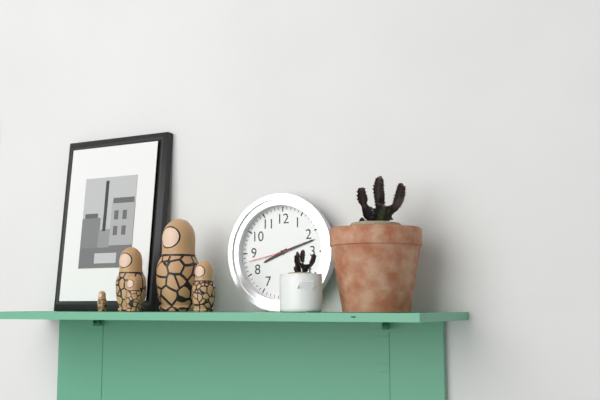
h=8 m=12
